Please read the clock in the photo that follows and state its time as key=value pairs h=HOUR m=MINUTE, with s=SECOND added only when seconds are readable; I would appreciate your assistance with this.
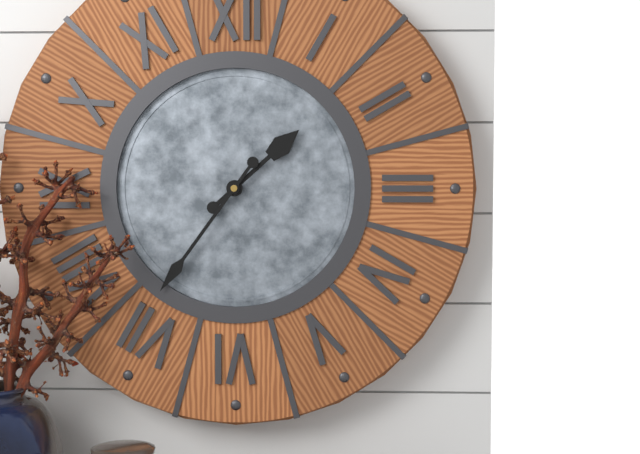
h=1 m=36
